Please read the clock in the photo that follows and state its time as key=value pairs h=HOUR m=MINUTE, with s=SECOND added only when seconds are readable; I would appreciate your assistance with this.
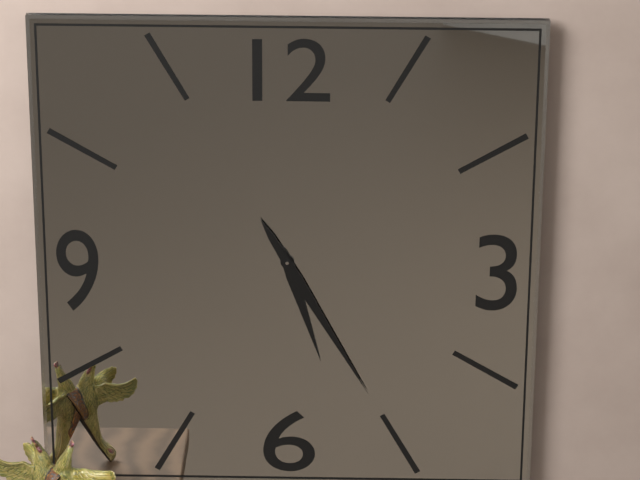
h=5 m=25
